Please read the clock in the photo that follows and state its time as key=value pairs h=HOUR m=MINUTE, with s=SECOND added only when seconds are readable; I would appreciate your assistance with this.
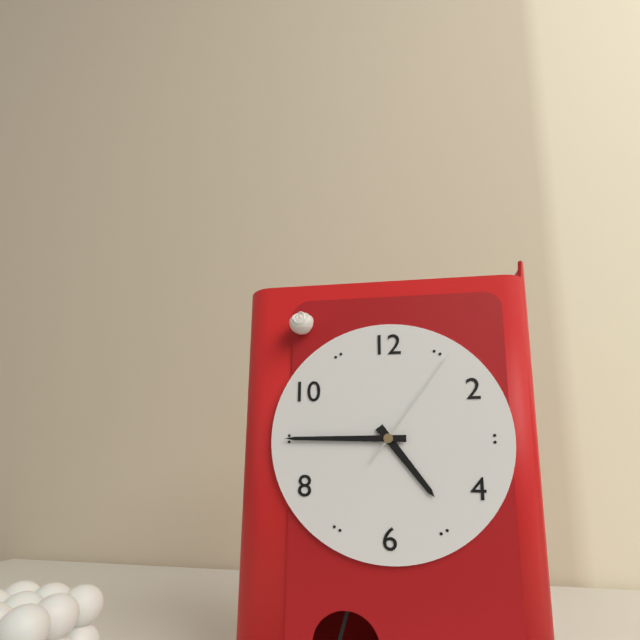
h=4 m=45 s=6
